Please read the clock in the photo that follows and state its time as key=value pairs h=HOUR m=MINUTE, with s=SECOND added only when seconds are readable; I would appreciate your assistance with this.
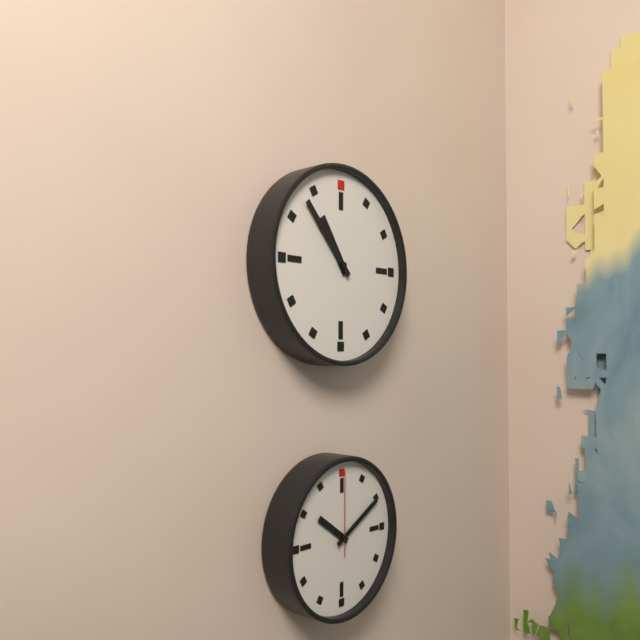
h=10 m=53
